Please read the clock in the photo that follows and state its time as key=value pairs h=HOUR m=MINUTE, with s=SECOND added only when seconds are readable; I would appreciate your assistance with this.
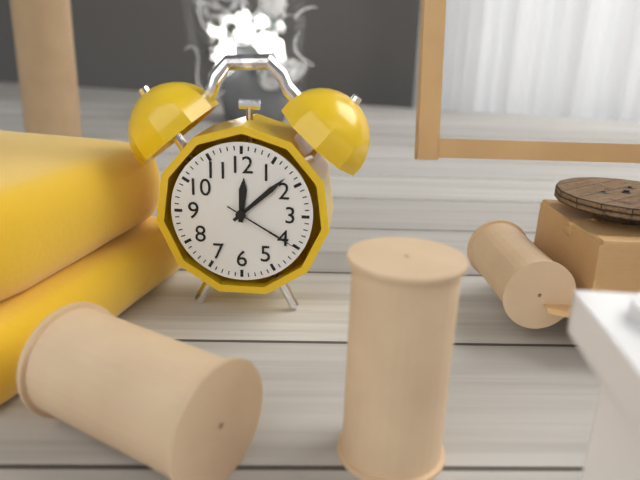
h=12 m=8 s=20
